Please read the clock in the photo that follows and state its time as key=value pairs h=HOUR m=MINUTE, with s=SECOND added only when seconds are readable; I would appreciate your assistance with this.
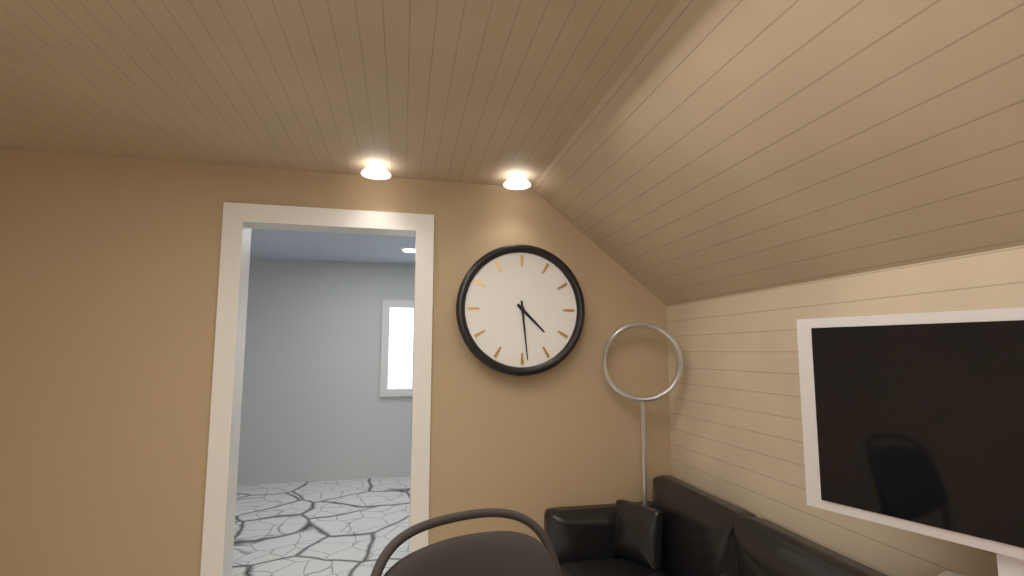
h=4 m=29
